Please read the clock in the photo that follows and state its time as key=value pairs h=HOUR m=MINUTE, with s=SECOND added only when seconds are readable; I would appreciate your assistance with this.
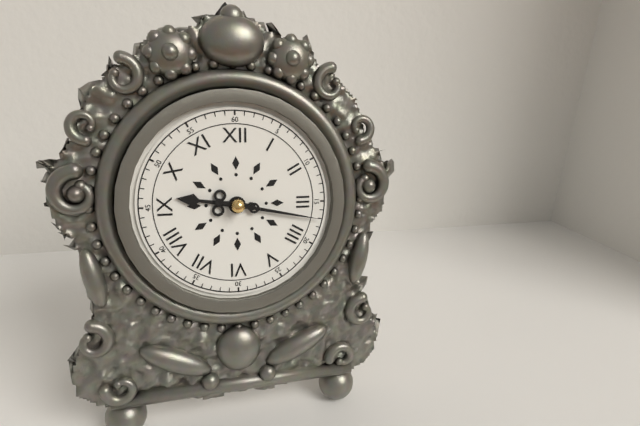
h=9 m=17
